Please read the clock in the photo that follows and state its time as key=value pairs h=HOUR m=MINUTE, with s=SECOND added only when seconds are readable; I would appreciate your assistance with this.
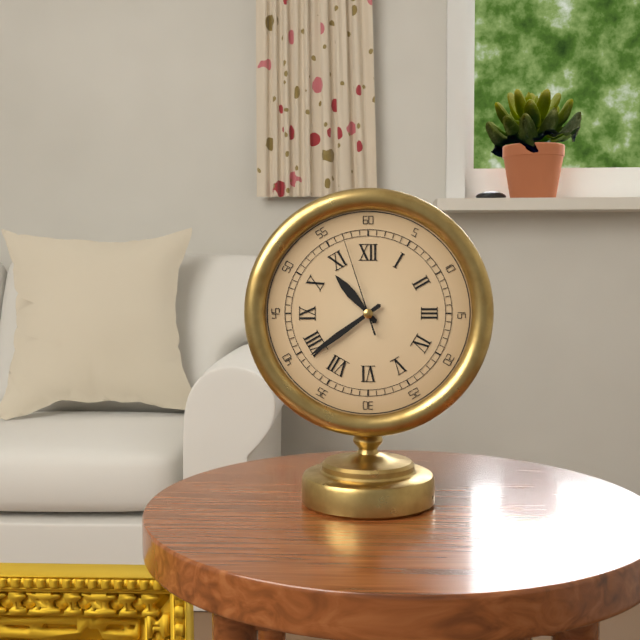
h=10 m=39 s=57
